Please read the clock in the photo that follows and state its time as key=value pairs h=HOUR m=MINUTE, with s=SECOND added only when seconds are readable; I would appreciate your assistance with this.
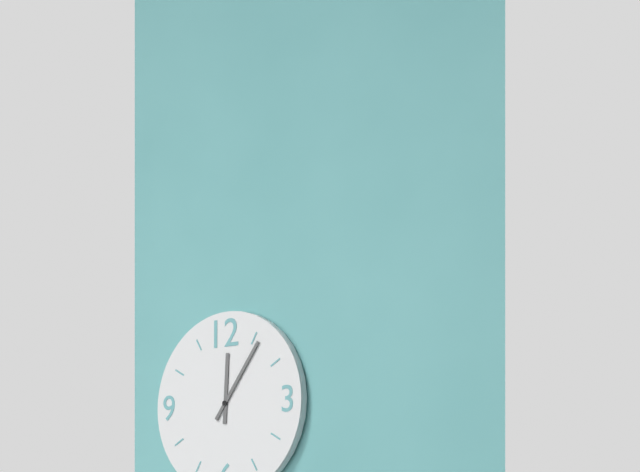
h=12 m=6
